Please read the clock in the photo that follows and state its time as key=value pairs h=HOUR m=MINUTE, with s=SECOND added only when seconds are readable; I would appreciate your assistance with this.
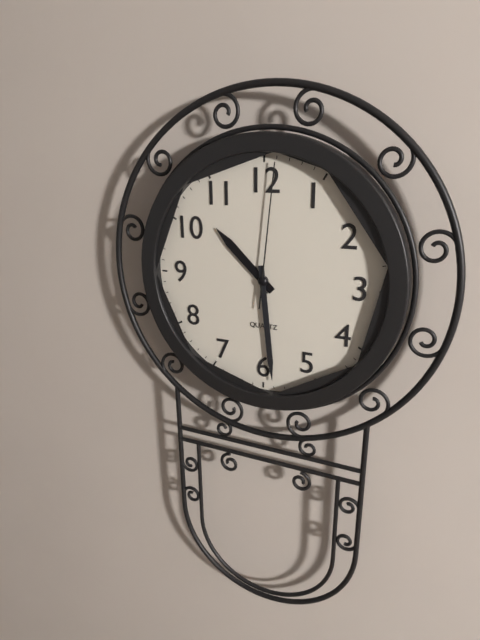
h=10 m=29 s=1
